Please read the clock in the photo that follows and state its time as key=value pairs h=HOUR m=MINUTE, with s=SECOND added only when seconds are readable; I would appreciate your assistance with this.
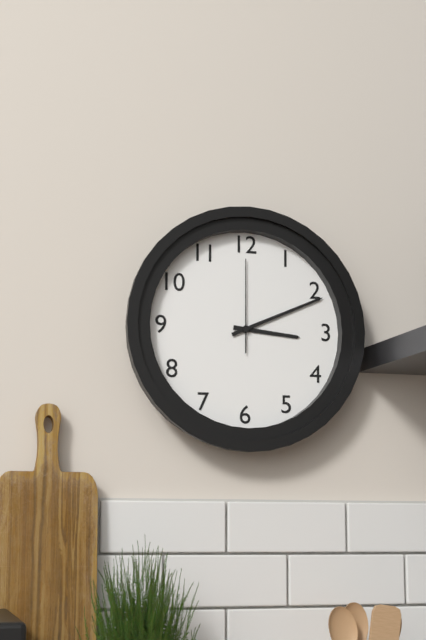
h=3 m=11 s=0
